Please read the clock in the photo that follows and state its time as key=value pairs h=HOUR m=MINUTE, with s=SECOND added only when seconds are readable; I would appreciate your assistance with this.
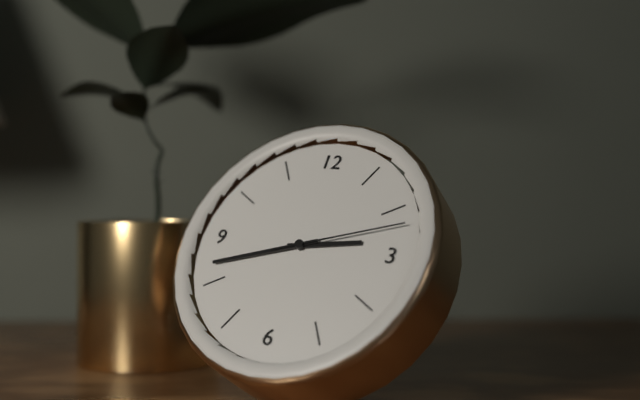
h=2 m=42 s=12
